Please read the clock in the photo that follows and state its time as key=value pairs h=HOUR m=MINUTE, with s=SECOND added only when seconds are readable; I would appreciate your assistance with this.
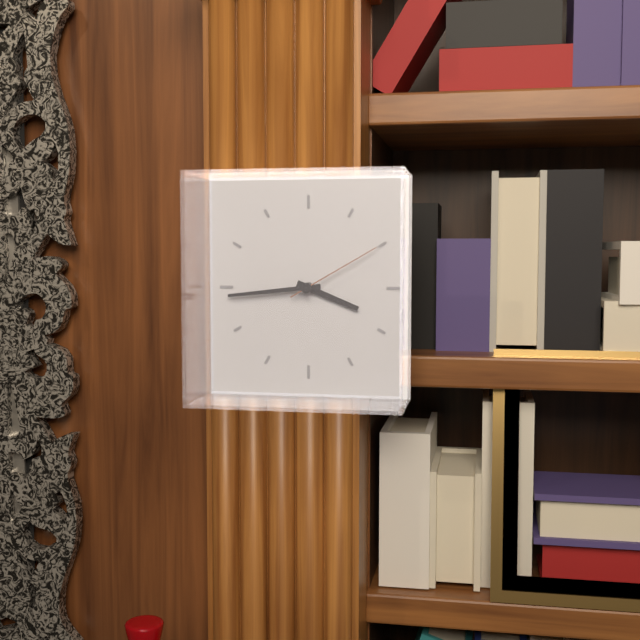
h=3 m=44 s=10
